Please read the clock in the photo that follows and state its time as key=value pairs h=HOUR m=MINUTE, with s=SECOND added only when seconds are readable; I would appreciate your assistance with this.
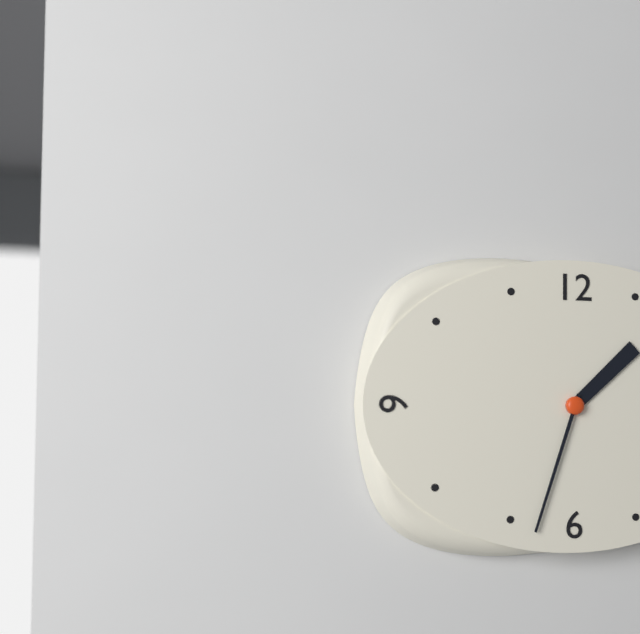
h=1 m=33
